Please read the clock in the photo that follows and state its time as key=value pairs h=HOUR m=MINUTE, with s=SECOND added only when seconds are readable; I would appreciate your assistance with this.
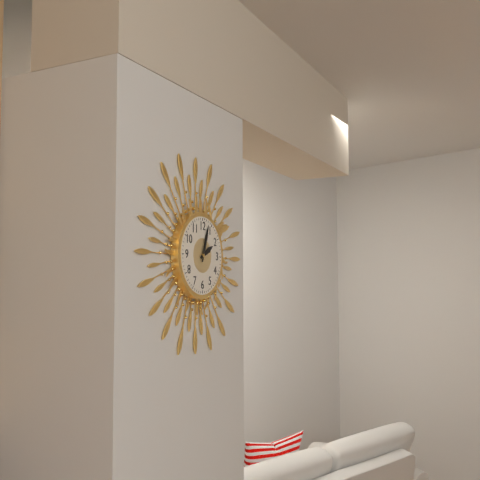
h=2 m=3
